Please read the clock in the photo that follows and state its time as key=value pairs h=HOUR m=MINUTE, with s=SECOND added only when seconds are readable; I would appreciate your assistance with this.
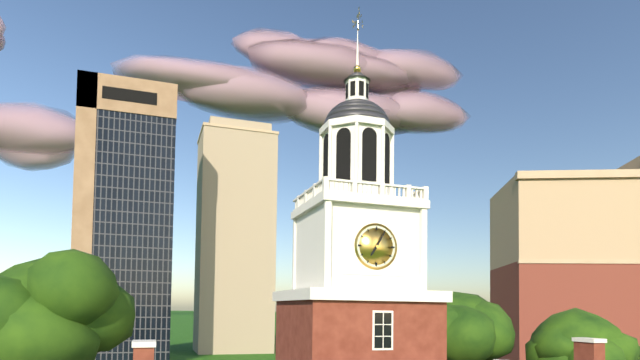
h=7 m=5
